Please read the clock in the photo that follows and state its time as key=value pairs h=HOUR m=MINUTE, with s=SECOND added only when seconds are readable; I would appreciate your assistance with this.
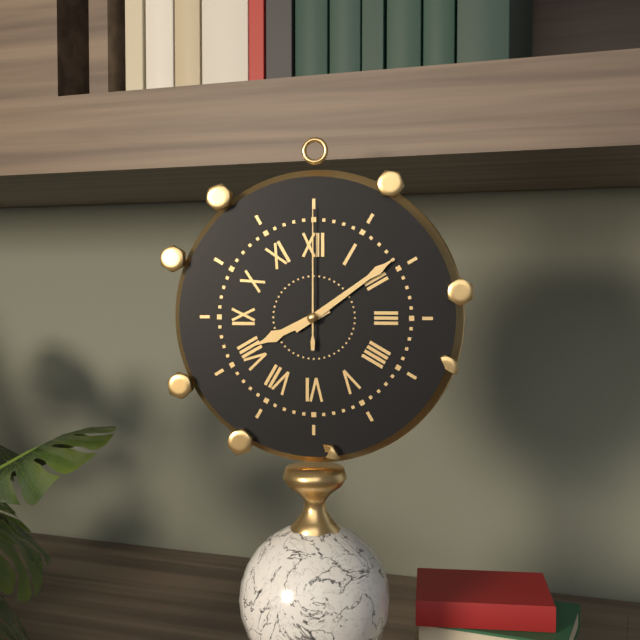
h=8 m=9 s=0
